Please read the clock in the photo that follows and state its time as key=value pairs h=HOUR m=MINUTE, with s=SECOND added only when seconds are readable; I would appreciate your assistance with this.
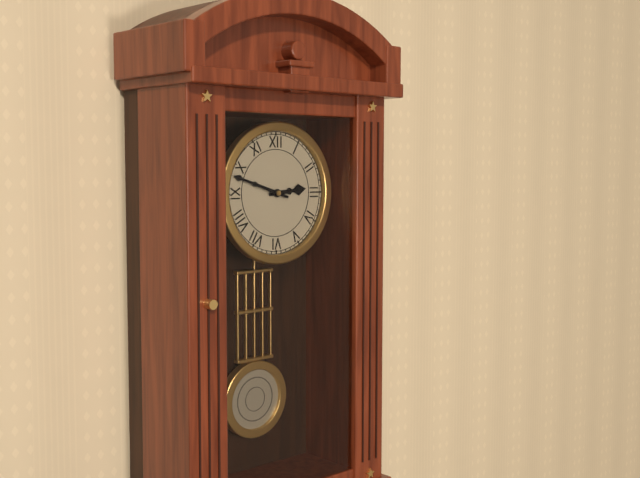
h=2 m=48
